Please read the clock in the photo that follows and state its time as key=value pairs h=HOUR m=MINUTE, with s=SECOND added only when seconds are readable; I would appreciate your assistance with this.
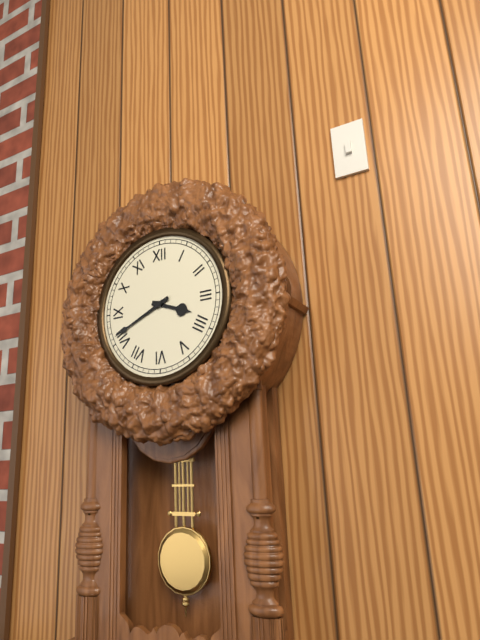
h=3 m=41
